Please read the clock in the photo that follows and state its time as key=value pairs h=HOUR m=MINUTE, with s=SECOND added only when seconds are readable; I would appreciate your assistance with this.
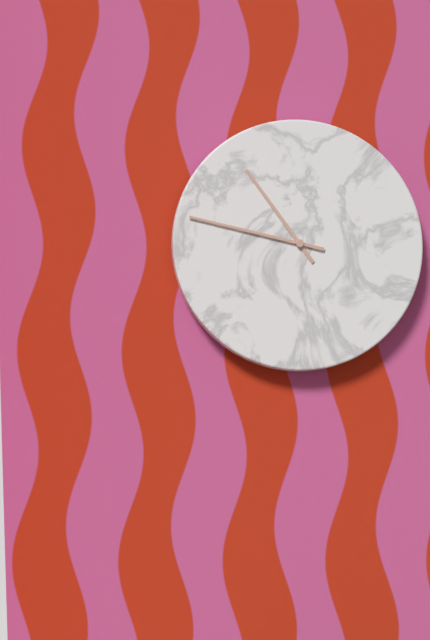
h=10 m=47
